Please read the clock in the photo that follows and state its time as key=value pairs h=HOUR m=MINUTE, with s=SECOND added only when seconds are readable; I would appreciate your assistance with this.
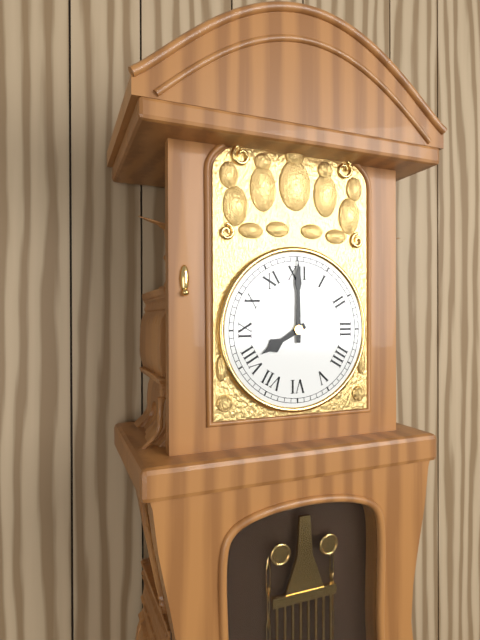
h=8 m=0
